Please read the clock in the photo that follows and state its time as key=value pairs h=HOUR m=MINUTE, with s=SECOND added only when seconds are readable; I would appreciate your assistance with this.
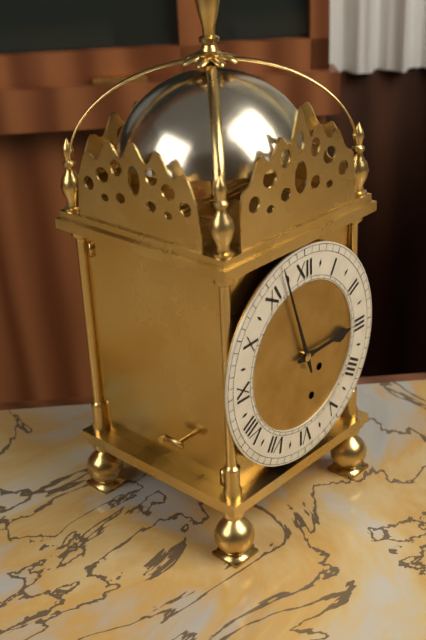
h=2 m=57
